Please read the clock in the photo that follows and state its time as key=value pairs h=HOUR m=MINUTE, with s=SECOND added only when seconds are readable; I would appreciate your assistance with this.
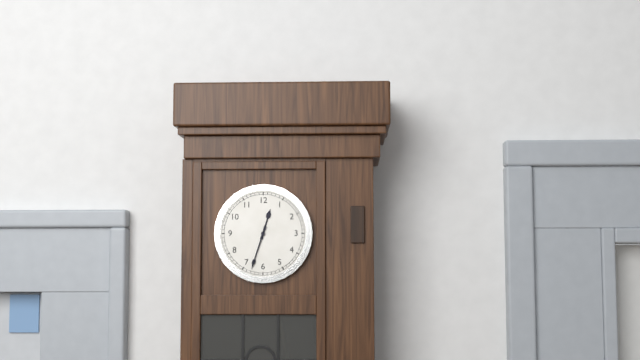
h=12 m=33
